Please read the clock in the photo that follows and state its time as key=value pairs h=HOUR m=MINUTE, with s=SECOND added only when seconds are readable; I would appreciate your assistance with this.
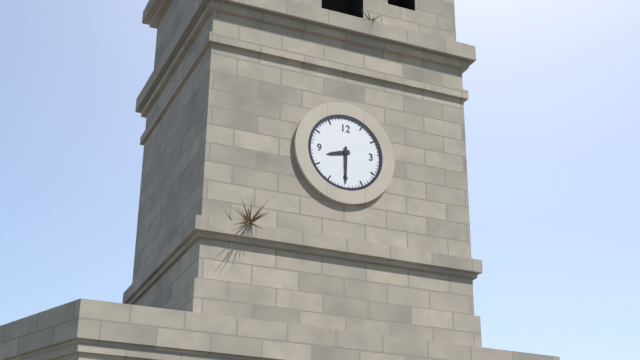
h=8 m=30
